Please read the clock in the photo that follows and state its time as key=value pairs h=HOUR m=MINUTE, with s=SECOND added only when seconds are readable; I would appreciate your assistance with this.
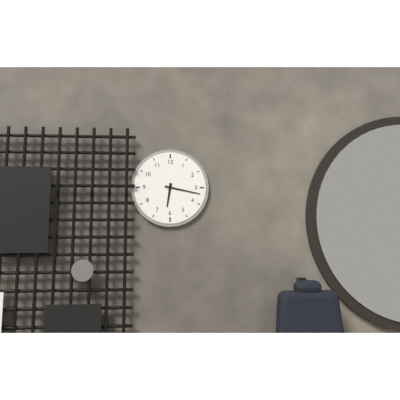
h=6 m=17
